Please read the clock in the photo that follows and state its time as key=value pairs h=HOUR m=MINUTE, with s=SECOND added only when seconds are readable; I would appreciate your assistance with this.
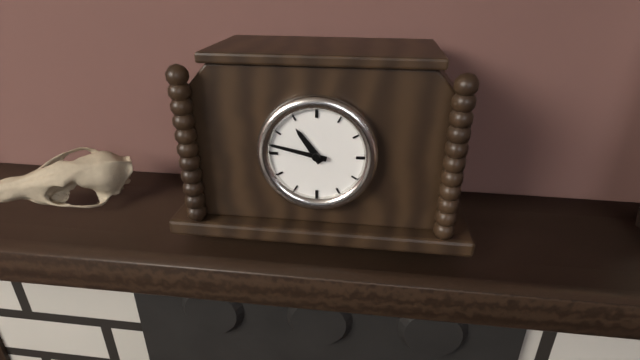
h=10 m=47
